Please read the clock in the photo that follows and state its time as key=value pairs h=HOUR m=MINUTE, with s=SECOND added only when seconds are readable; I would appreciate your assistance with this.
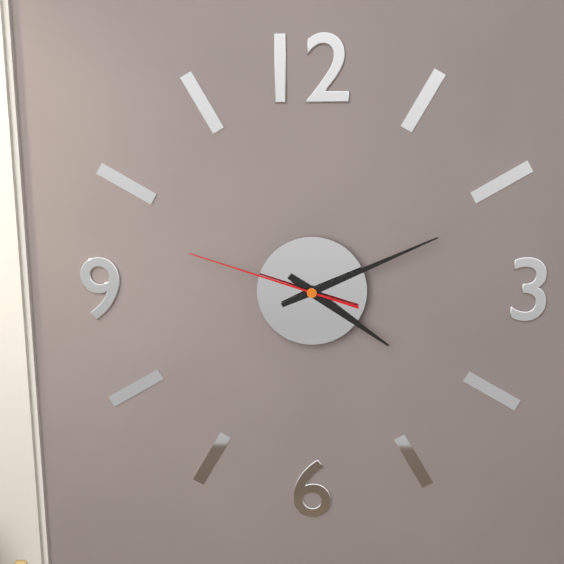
h=4 m=11 s=48
